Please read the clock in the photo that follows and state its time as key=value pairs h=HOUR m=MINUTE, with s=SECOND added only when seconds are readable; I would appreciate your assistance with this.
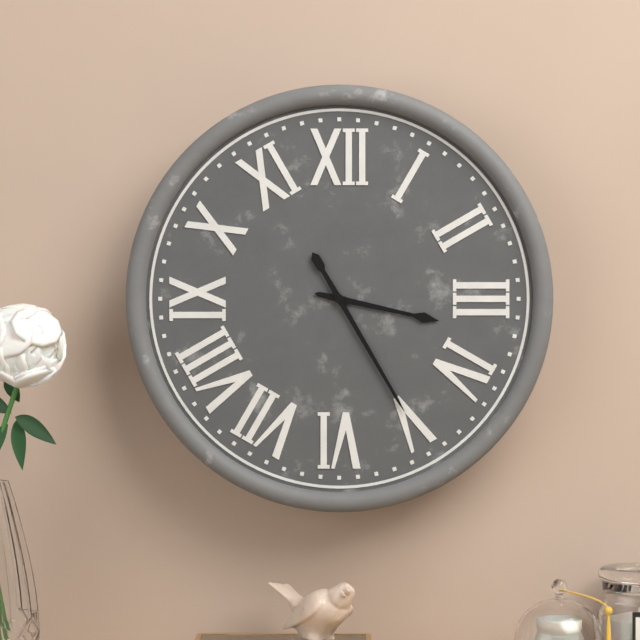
h=3 m=25
